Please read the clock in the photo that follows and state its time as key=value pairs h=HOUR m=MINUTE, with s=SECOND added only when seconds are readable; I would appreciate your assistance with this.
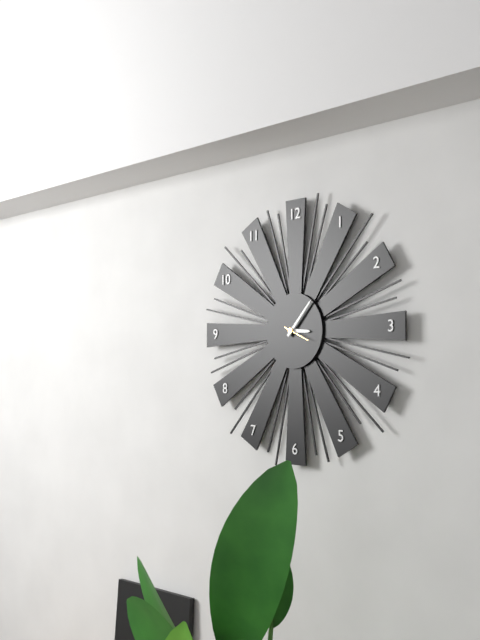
h=3 m=7
